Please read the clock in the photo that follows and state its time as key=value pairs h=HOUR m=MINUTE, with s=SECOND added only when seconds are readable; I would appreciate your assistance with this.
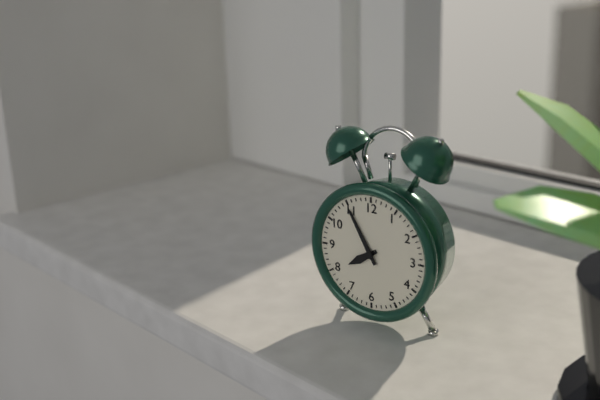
h=7 m=55
